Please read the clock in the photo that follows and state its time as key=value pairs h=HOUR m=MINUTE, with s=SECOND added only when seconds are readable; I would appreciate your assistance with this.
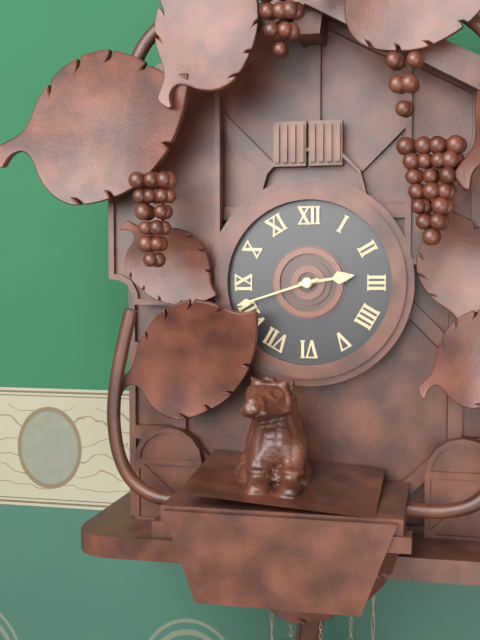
h=2 m=42
